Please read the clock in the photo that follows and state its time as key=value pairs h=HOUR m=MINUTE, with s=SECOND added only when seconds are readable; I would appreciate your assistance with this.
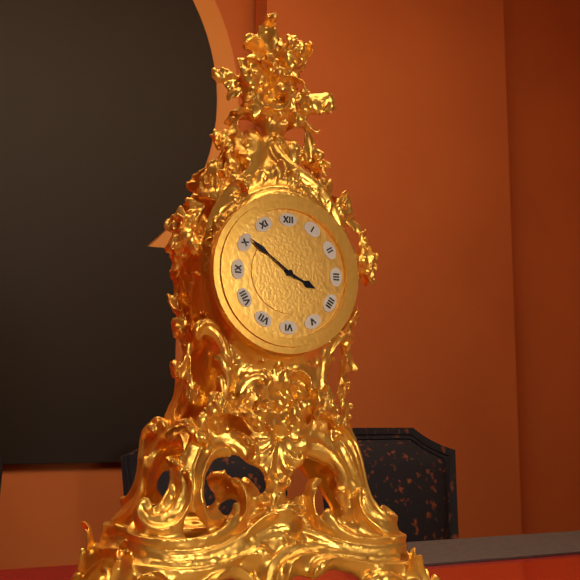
h=3 m=51
